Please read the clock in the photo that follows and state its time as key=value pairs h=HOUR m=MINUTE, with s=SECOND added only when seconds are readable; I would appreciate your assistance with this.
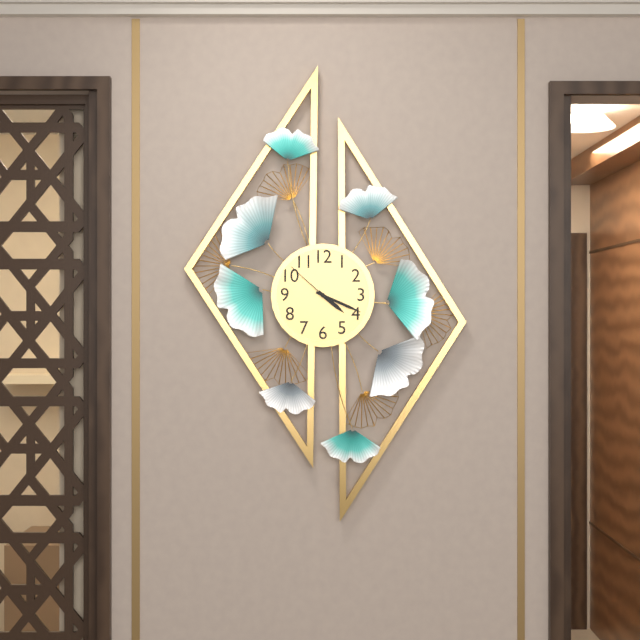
h=4 m=19 s=52
